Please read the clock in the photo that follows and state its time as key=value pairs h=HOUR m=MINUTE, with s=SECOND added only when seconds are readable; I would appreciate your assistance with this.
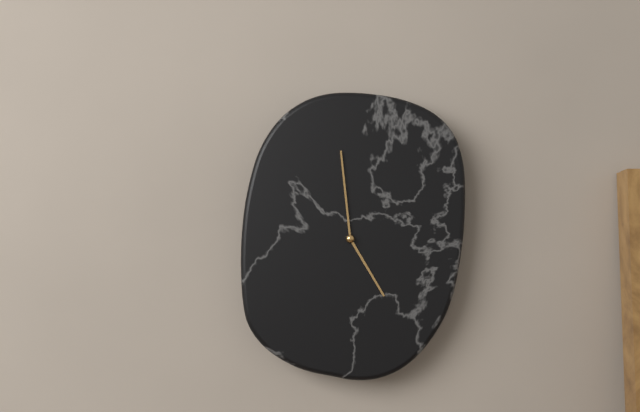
h=4 m=59
